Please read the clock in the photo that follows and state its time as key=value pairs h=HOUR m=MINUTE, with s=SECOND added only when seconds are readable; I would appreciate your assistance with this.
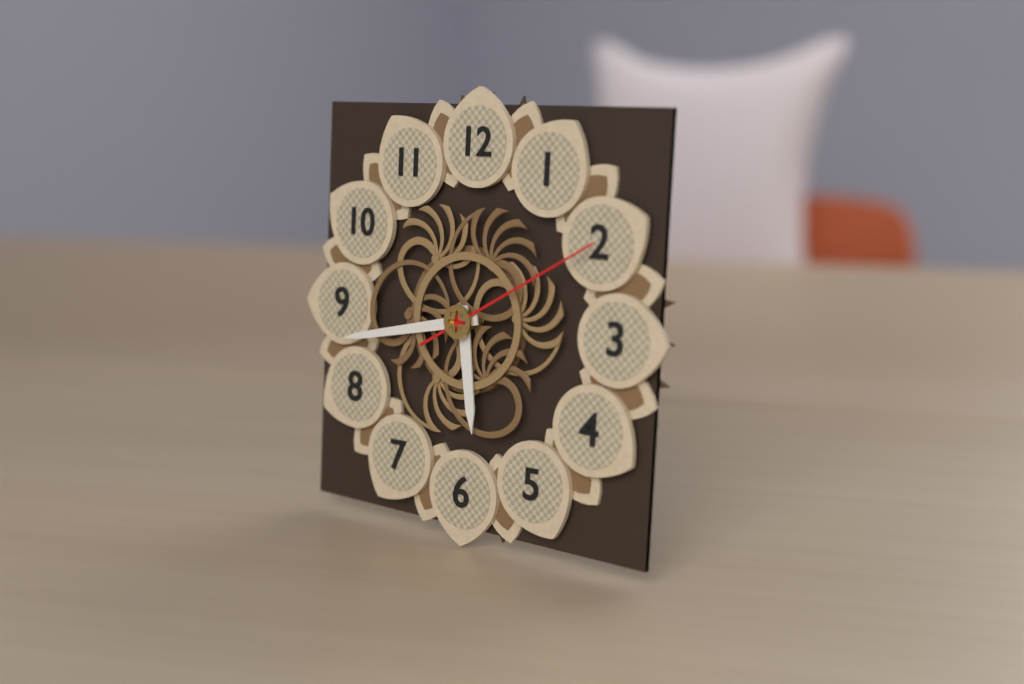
h=5 m=43 s=10
